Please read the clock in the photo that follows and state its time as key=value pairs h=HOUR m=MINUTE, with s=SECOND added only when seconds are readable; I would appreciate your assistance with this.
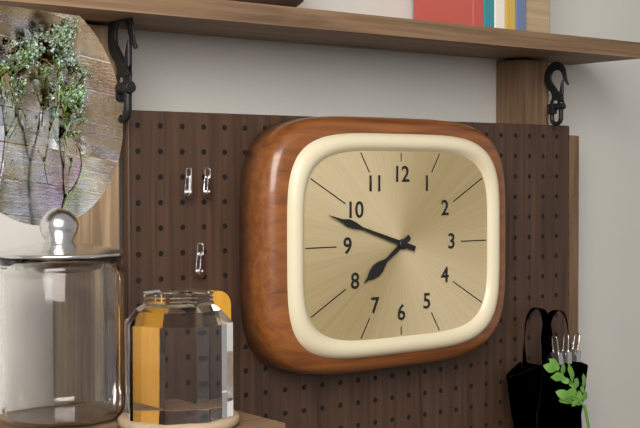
h=7 m=48
